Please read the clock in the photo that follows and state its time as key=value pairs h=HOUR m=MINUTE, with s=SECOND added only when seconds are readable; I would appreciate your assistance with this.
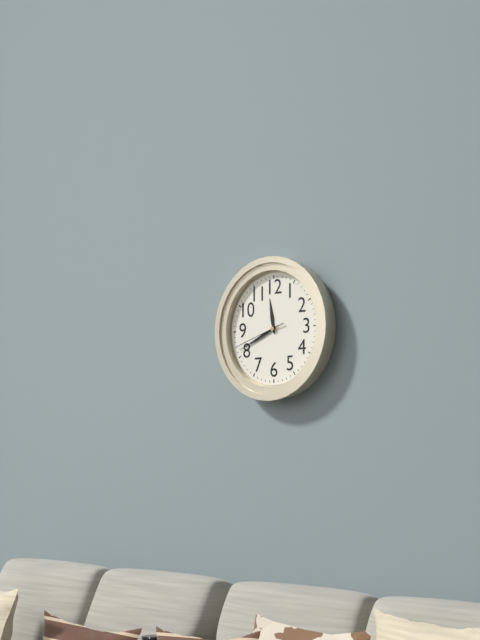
h=11 m=41 s=42
